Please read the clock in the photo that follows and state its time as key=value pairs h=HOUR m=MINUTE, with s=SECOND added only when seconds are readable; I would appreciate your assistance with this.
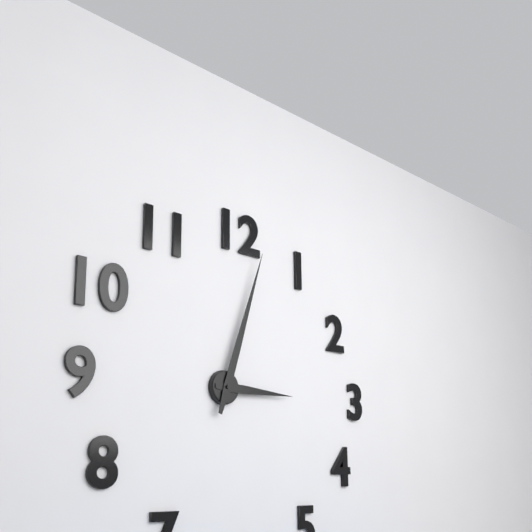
h=3 m=3
